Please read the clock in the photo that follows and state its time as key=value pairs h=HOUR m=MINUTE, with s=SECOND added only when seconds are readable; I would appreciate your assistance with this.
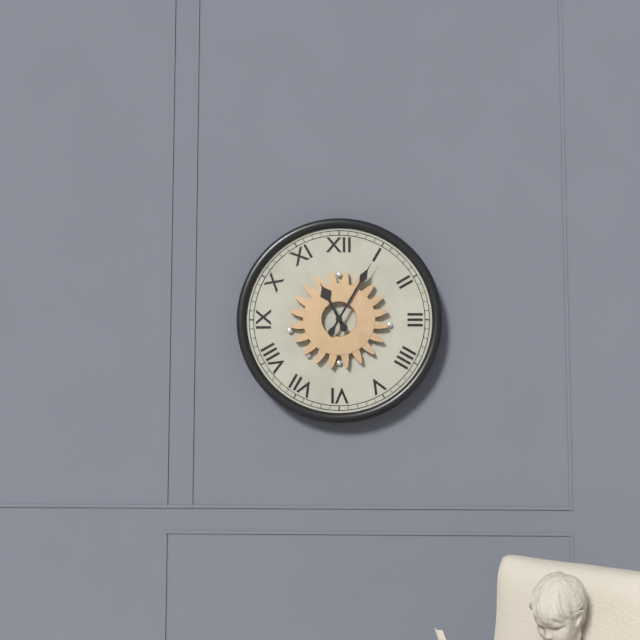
h=11 m=5
